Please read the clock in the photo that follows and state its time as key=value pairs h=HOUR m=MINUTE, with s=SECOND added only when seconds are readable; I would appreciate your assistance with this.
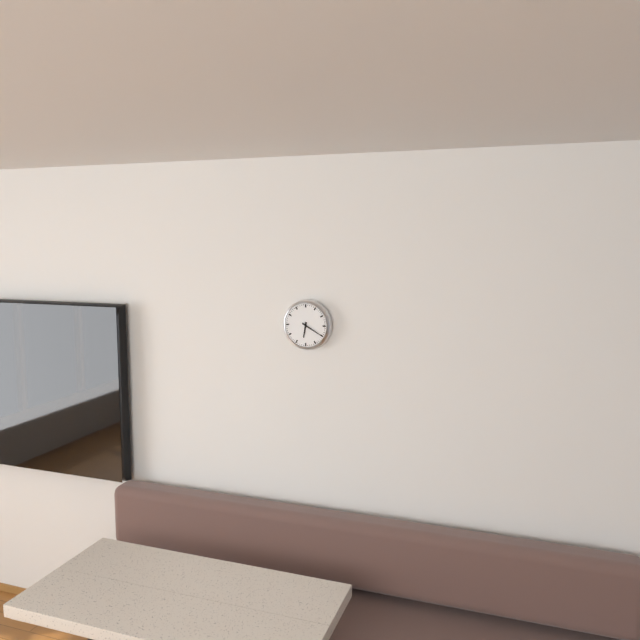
h=6 m=20
